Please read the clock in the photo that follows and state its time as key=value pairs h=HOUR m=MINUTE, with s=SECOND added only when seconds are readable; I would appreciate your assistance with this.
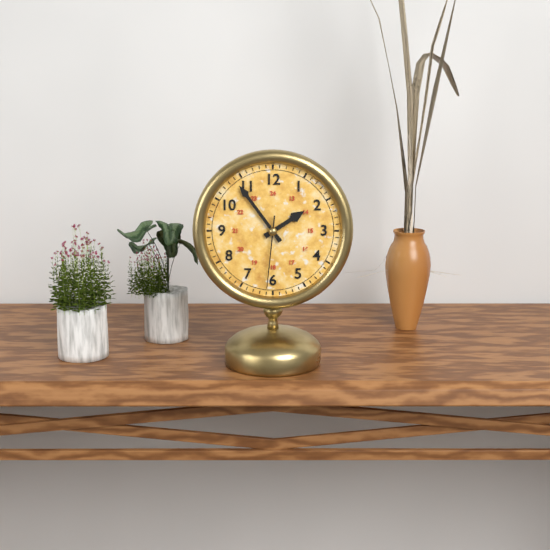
h=1 m=54 s=31
